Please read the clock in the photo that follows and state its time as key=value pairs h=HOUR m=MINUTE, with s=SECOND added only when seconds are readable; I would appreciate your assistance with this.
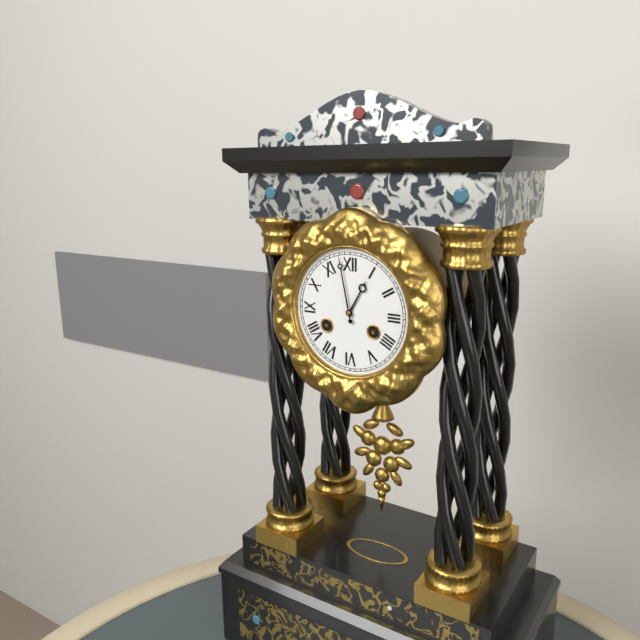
h=12 m=58
